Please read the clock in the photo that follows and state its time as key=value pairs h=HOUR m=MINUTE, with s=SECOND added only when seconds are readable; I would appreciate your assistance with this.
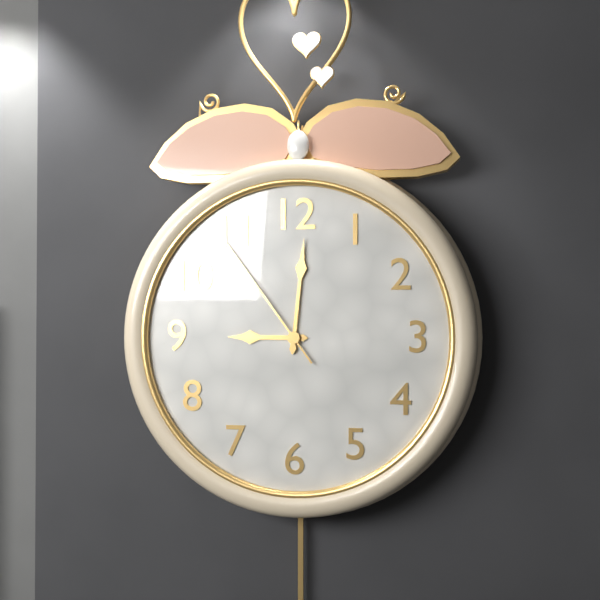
h=9 m=1 s=54
